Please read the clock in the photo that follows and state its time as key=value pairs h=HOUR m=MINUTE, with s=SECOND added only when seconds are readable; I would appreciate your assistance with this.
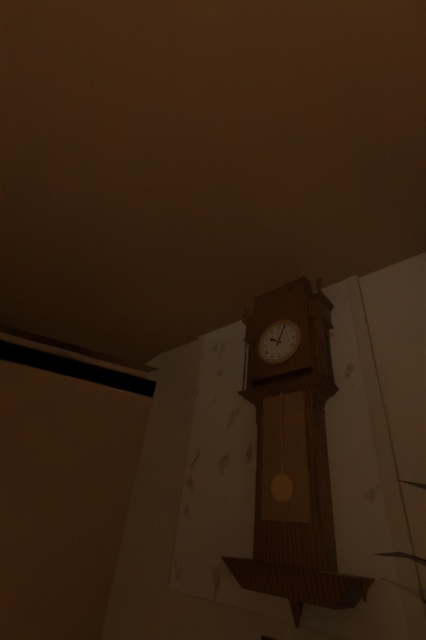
h=10 m=4
